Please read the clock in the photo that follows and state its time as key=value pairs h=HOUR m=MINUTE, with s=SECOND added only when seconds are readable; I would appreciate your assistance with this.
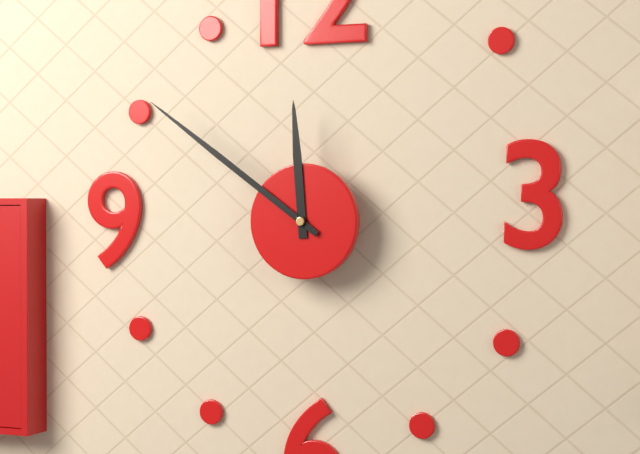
h=11 m=51
